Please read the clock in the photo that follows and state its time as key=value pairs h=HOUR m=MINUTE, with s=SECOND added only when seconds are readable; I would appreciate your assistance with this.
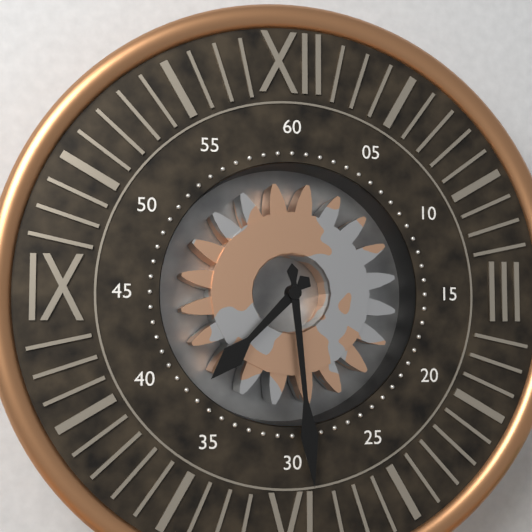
h=7 m=29
